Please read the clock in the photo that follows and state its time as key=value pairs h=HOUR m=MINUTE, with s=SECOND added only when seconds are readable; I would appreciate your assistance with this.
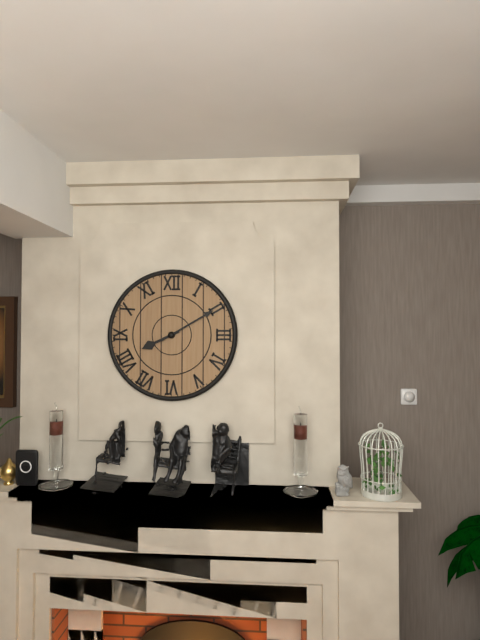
h=8 m=10
